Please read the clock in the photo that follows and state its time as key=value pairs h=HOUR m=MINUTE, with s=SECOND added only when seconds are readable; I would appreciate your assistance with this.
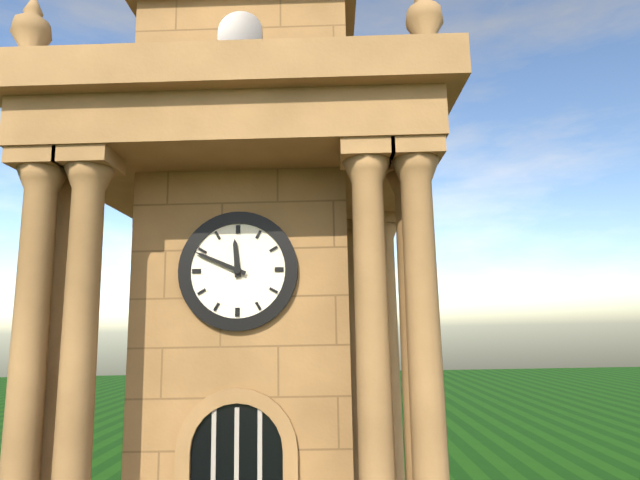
h=11 m=49
